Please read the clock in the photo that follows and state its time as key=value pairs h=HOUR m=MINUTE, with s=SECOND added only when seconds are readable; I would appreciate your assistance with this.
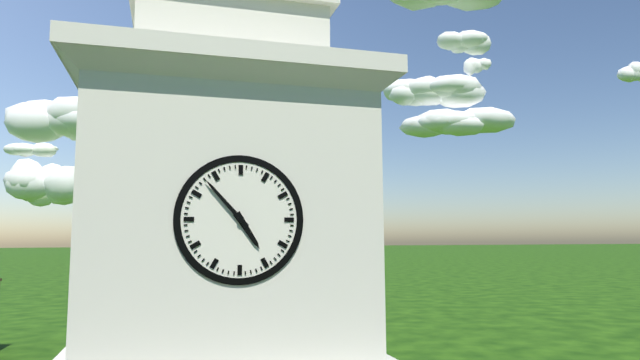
h=4 m=53
